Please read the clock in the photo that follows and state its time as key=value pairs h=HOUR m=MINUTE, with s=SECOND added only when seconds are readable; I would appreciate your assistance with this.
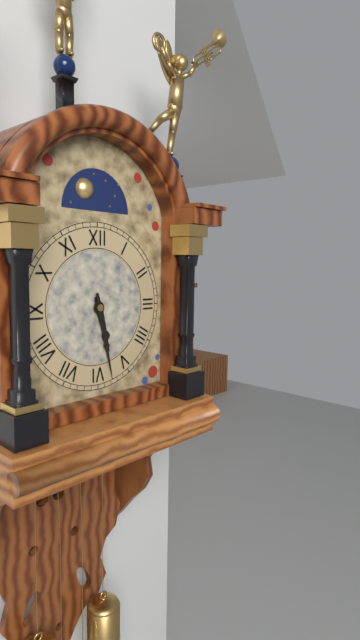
h=5 m=28
